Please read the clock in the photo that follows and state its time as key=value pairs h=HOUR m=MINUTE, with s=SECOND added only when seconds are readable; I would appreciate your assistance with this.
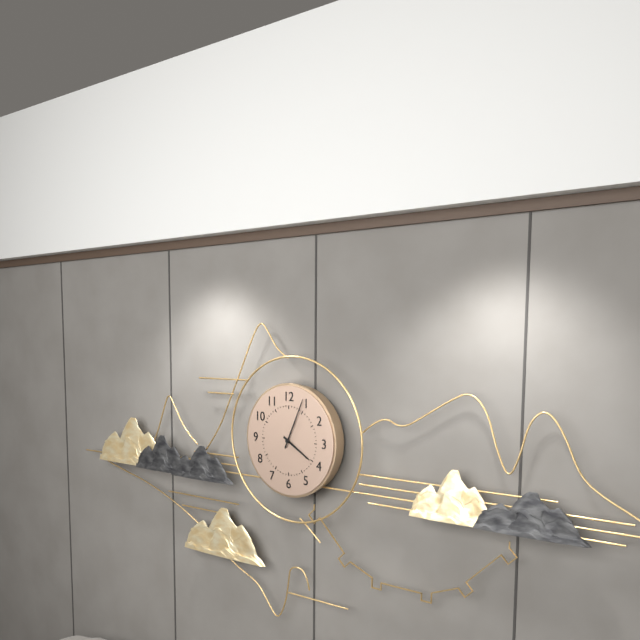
h=4 m=4
